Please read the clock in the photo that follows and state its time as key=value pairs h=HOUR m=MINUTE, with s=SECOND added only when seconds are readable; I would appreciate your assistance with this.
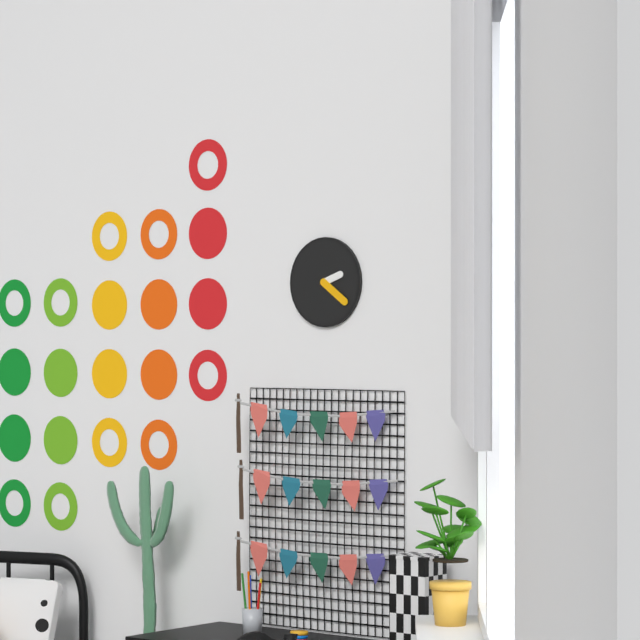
h=2 m=21
